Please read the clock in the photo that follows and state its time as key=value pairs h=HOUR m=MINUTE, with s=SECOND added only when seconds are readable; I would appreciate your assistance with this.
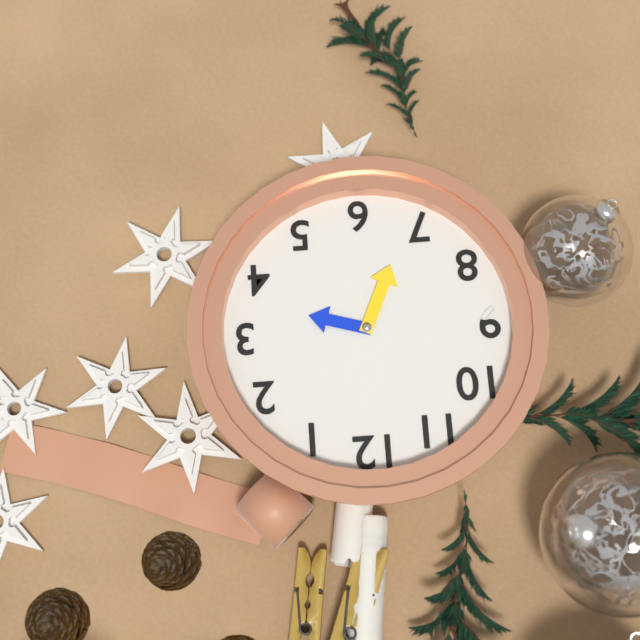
h=3 m=34
